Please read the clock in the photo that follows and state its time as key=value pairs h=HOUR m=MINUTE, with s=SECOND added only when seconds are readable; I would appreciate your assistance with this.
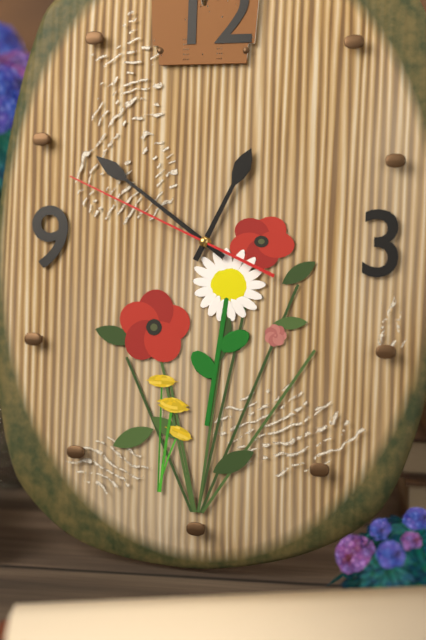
h=12 m=51 s=49
